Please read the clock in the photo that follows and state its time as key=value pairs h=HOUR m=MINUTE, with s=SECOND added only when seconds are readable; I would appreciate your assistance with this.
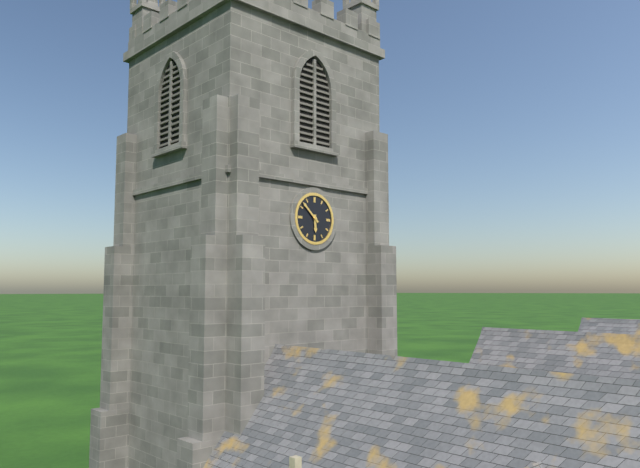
h=5 m=52
